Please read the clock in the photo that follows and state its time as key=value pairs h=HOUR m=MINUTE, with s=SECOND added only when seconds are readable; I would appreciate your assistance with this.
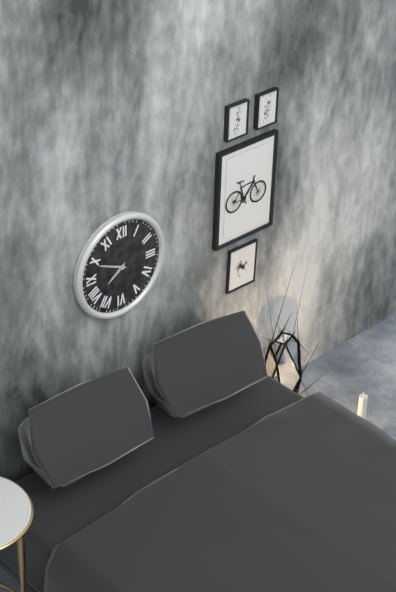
h=7 m=49
